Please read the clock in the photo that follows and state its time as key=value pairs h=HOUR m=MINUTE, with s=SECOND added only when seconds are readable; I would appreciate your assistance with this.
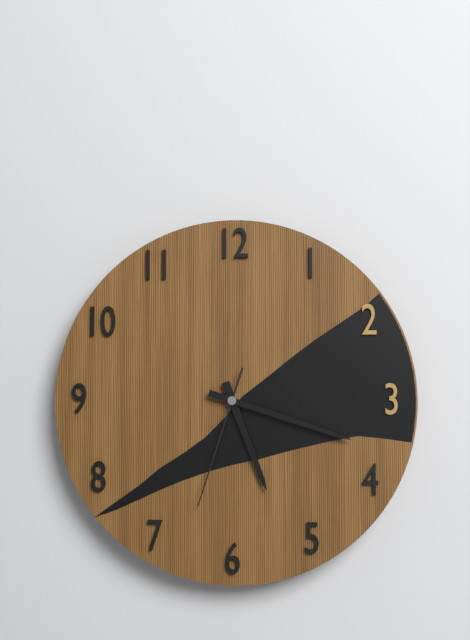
h=5 m=18 s=33
